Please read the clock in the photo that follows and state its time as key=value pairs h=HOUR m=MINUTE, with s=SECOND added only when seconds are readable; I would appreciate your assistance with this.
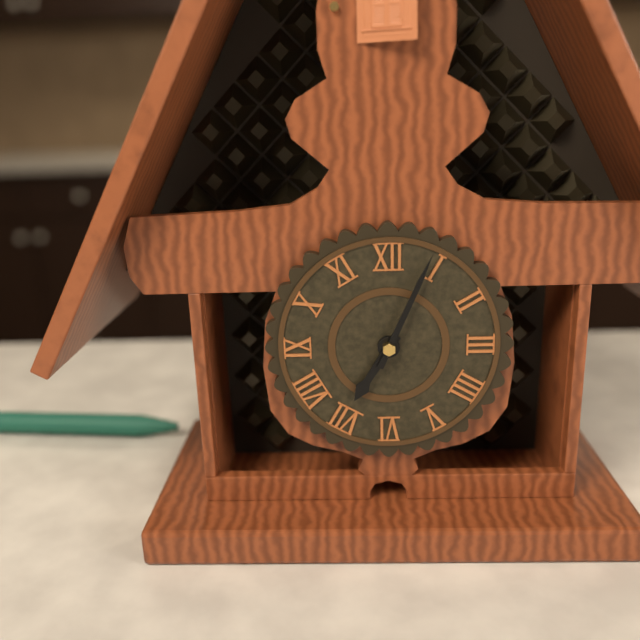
h=7 m=4
